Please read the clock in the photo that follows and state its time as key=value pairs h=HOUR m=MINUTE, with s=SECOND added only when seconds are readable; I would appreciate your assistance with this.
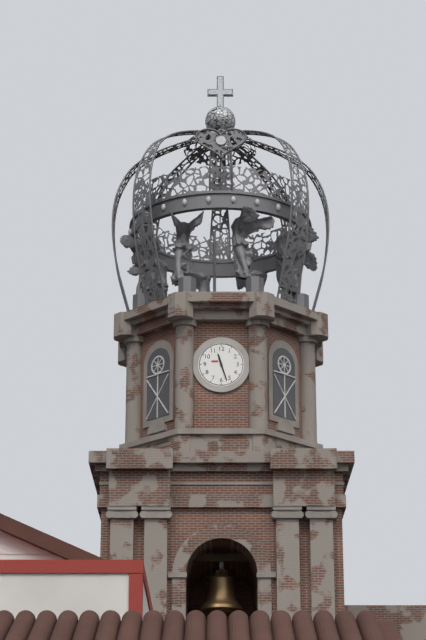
h=11 m=27
